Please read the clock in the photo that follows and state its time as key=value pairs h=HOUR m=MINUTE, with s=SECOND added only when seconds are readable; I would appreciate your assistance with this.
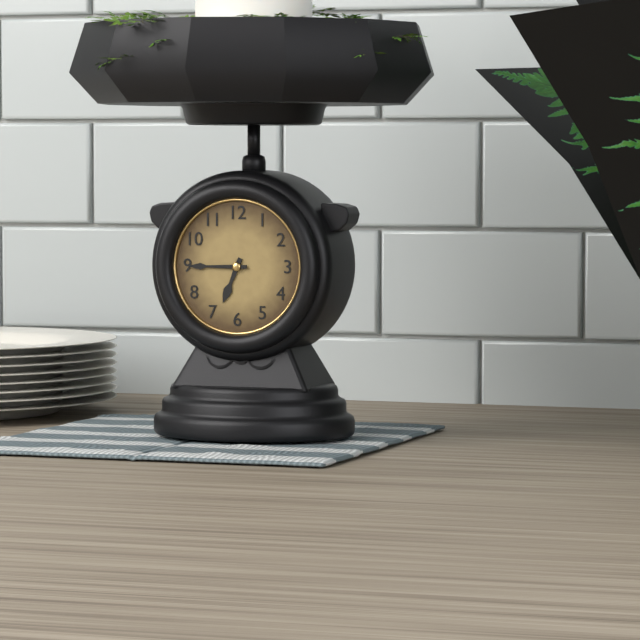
h=6 m=45
